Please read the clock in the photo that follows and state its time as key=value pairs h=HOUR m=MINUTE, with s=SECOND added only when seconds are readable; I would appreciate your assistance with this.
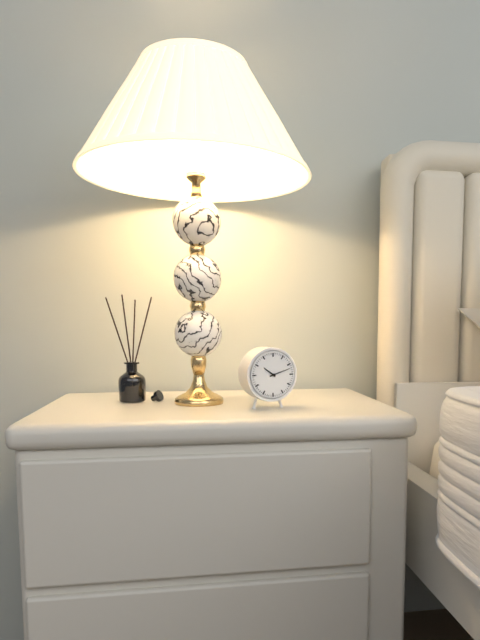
h=10 m=12
